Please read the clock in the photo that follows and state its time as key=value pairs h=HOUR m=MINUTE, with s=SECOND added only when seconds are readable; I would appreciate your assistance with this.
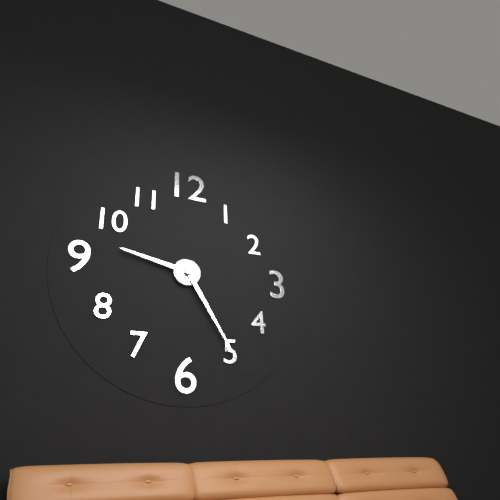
h=9 m=25
